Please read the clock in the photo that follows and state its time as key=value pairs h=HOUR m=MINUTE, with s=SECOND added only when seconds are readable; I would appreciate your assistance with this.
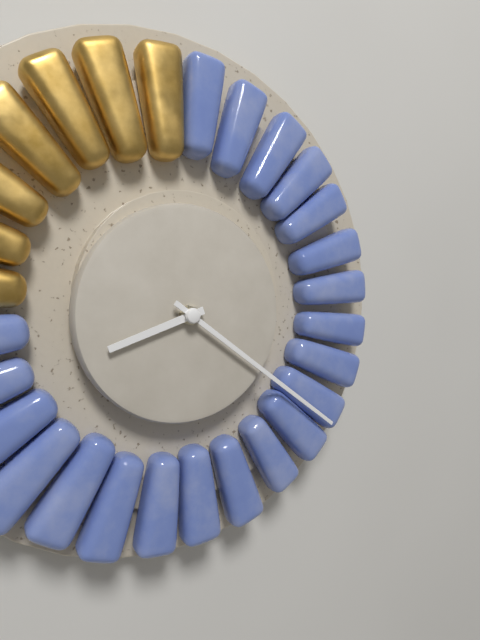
h=8 m=21
